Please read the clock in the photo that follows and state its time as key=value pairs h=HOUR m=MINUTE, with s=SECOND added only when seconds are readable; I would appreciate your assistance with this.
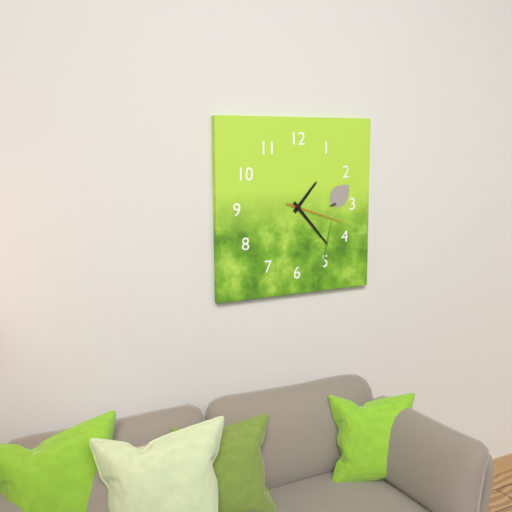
h=1 m=23 s=18
